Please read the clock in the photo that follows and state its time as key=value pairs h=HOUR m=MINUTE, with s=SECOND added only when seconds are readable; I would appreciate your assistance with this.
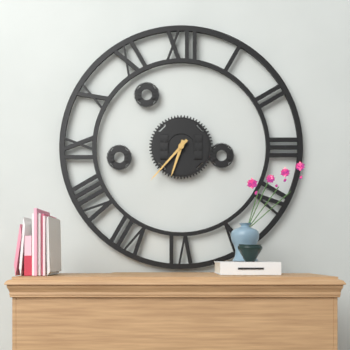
h=6 m=37
